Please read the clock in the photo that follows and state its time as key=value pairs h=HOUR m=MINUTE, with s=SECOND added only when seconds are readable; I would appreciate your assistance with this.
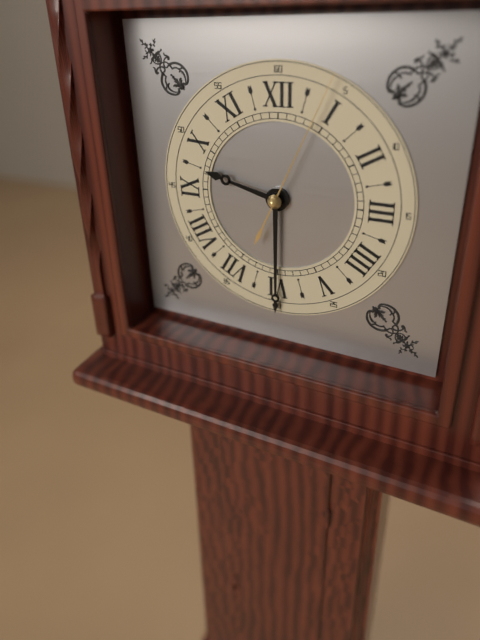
h=9 m=30 s=4
